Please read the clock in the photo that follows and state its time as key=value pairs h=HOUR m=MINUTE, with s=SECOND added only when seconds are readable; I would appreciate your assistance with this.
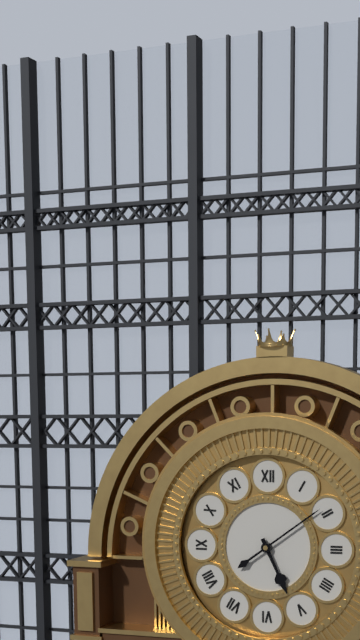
h=5 m=9
